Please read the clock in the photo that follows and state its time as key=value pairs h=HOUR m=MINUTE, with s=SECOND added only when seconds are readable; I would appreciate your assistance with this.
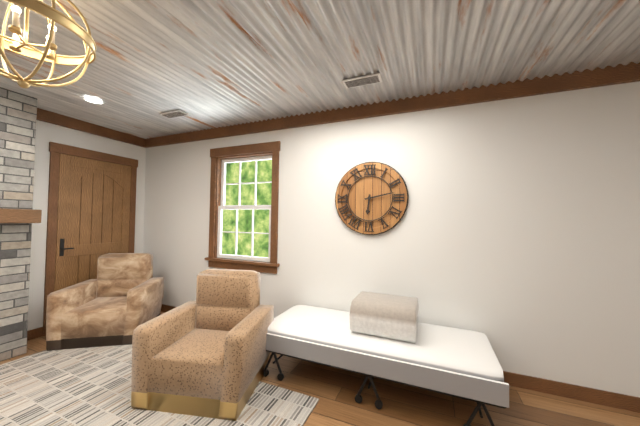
h=6 m=13
